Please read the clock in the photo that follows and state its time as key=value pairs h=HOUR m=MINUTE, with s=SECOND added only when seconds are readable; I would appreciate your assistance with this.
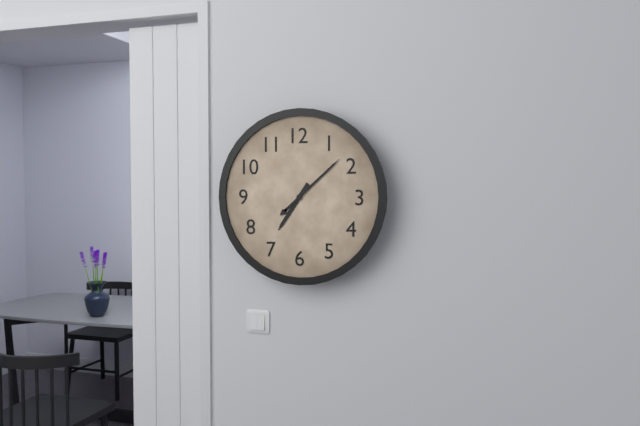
h=7 m=8
